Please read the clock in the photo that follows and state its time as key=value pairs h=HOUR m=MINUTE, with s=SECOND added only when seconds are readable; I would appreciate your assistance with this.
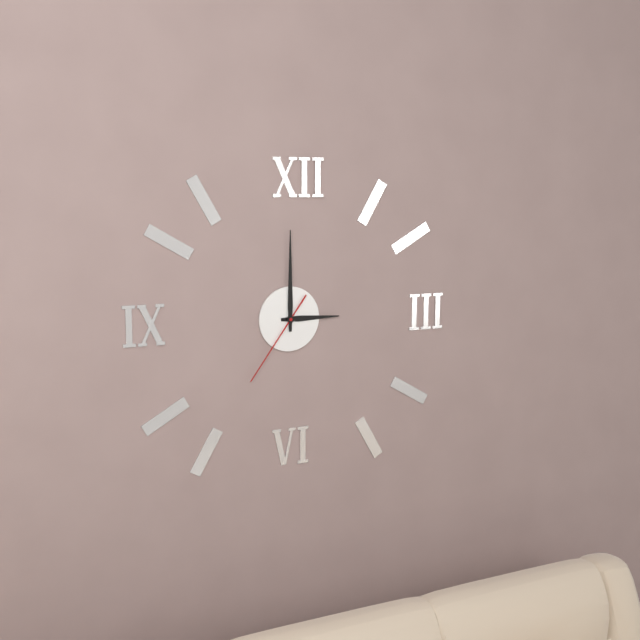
h=3 m=0 s=36
